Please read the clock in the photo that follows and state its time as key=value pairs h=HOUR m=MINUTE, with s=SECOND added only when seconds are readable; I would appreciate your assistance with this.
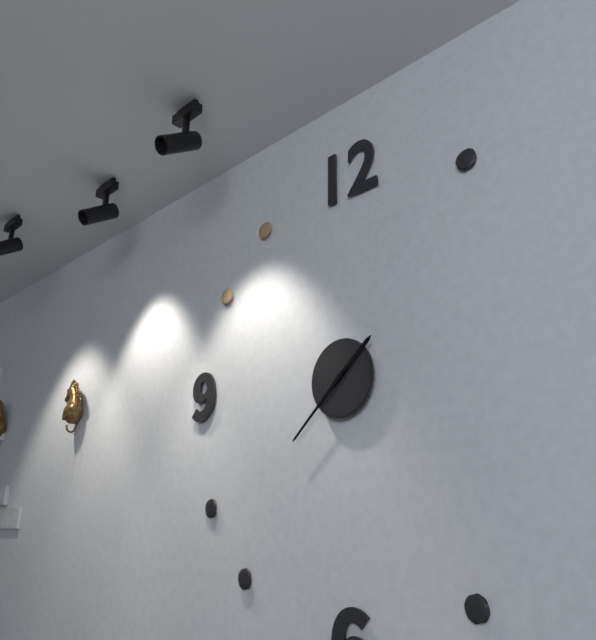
h=1 m=38
